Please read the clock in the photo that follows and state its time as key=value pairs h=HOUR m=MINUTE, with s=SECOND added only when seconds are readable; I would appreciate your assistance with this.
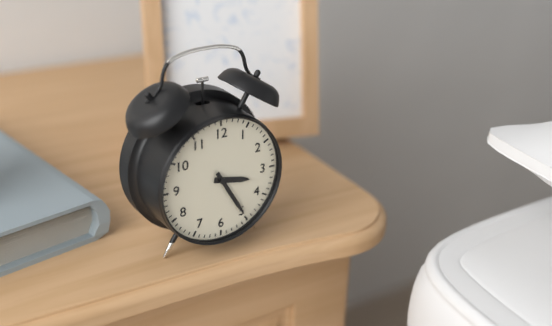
h=3 m=25
